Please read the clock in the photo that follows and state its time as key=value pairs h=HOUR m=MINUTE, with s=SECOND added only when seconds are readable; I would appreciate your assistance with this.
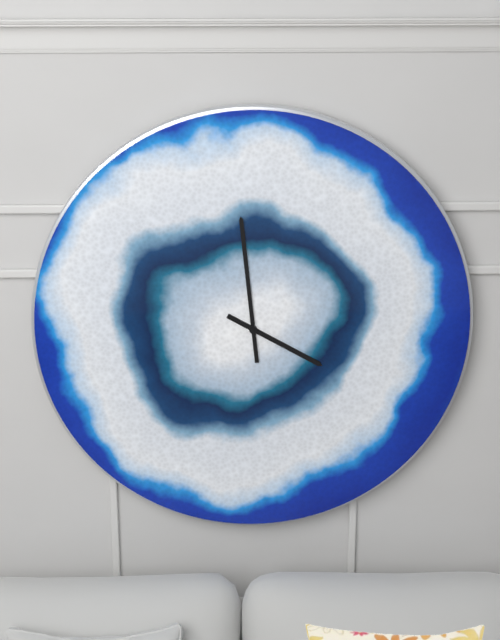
h=3 m=59
